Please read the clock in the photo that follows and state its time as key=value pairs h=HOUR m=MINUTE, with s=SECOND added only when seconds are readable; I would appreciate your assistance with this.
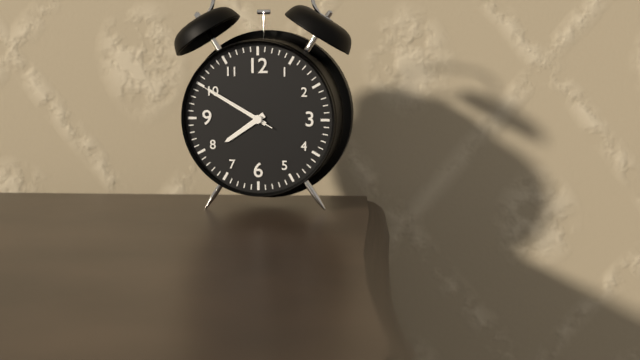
h=7 m=50 s=50
